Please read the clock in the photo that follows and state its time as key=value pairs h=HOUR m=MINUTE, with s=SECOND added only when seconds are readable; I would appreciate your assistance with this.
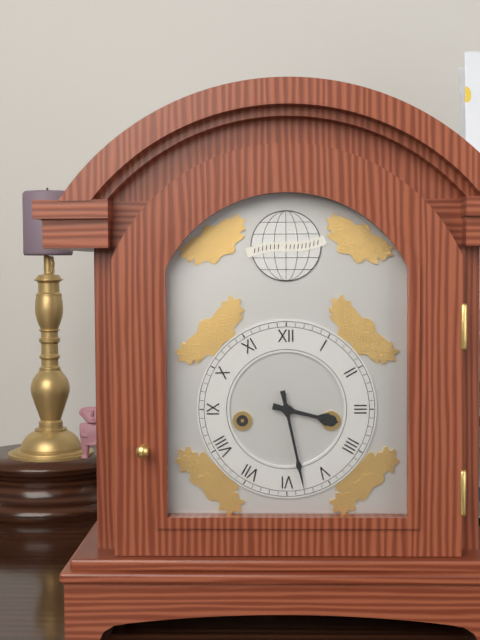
h=3 m=28
